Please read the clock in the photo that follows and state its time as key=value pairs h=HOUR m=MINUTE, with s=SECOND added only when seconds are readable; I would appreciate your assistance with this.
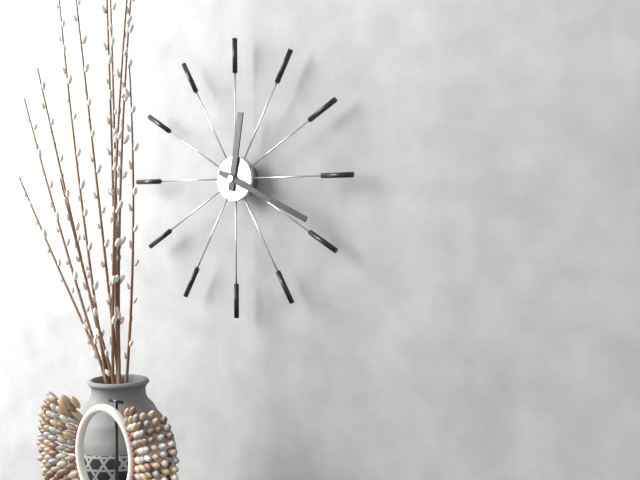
h=12 m=19
